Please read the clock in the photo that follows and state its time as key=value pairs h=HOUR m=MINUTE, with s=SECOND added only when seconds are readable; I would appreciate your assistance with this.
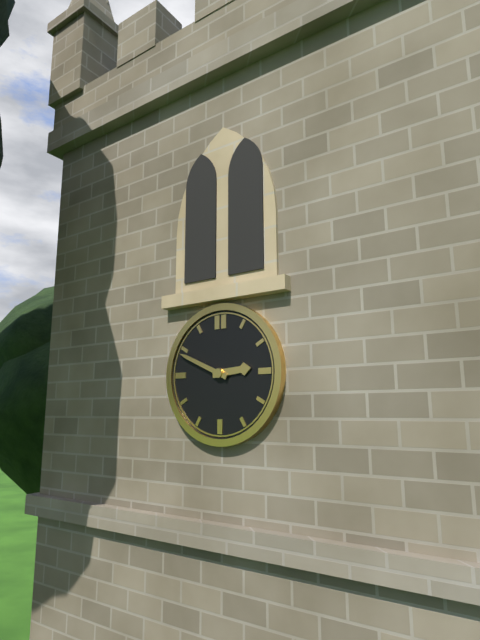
h=2 m=49
